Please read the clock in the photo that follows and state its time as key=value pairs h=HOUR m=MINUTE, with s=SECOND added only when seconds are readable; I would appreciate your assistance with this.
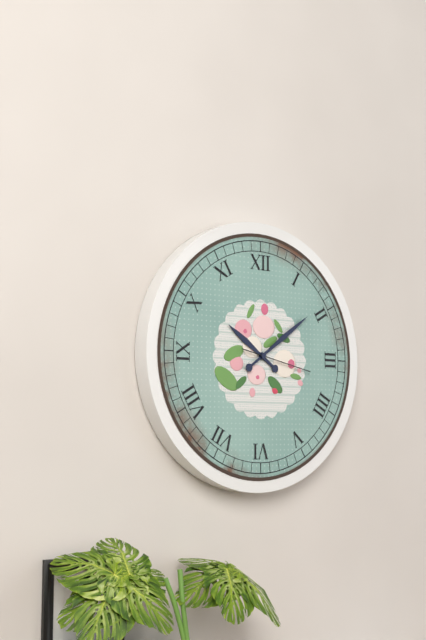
h=10 m=9 s=17
